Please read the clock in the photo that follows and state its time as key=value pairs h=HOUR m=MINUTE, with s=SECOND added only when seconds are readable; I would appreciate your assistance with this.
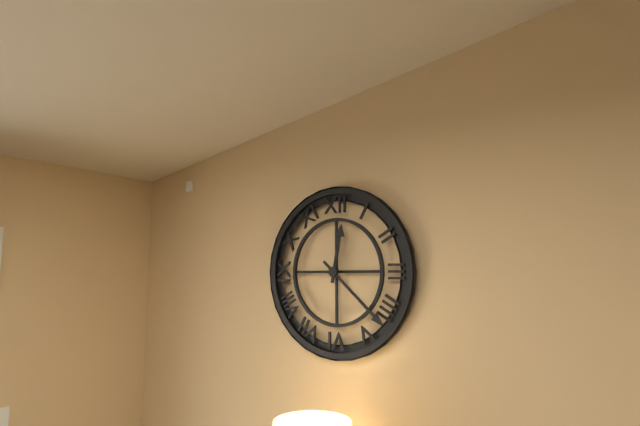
h=12 m=22
